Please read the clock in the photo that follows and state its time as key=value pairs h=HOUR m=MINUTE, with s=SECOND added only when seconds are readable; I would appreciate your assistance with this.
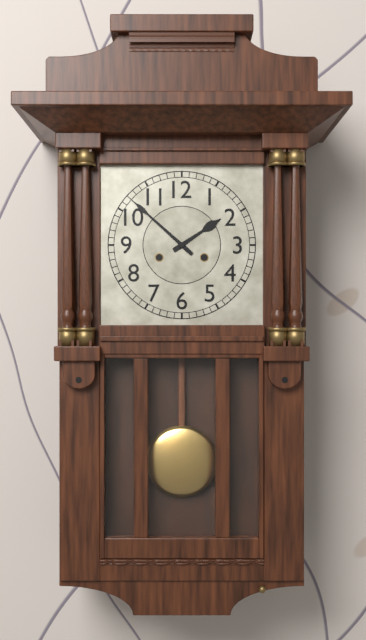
h=1 m=52
